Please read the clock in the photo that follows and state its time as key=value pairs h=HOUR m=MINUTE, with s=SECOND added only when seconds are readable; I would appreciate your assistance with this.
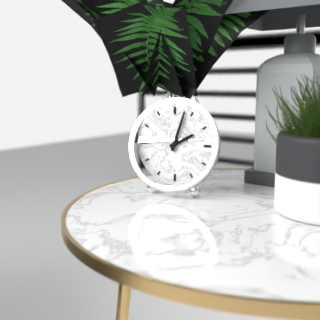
h=2 m=3
